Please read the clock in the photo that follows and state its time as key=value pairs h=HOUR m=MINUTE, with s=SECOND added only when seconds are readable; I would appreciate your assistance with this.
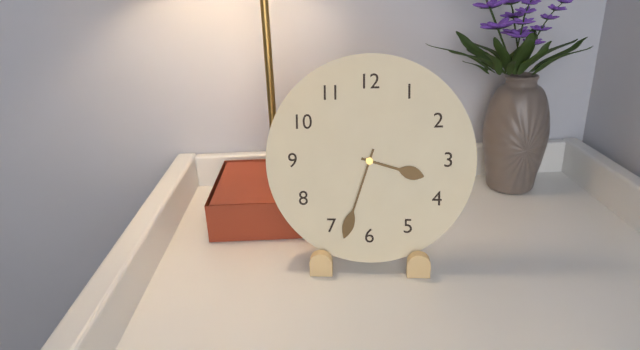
h=3 m=33
